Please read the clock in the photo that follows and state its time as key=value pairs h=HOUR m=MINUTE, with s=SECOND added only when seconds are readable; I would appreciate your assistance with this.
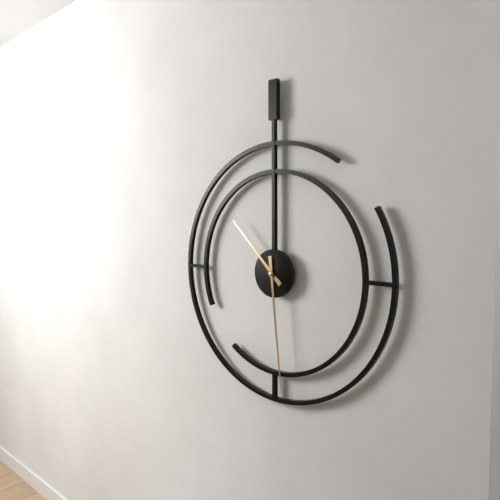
h=10 m=29
